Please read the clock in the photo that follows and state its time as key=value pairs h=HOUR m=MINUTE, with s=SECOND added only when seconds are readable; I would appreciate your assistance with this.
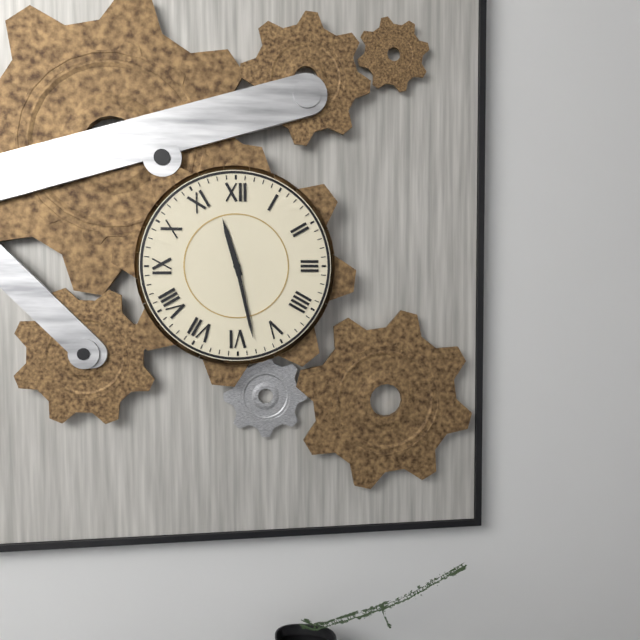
h=11 m=28
